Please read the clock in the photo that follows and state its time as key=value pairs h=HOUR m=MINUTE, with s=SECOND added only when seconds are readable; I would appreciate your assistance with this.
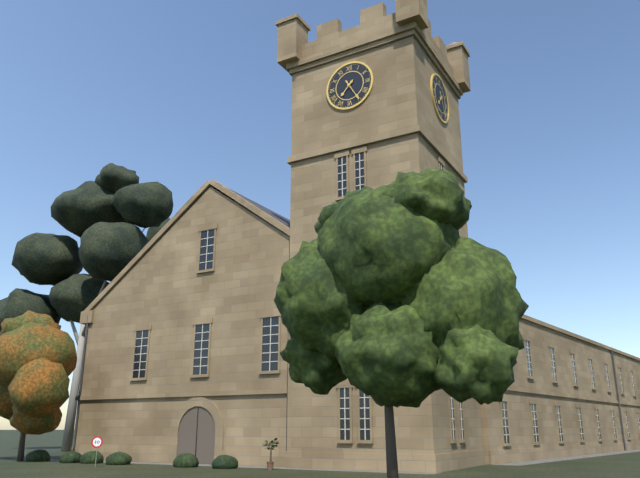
h=7 m=25
